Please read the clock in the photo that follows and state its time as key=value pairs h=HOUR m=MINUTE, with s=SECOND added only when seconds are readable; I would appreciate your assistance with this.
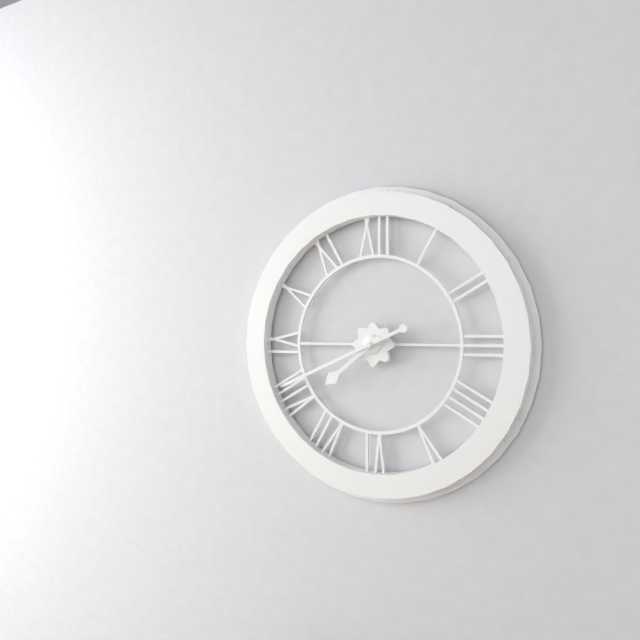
h=7 m=41
